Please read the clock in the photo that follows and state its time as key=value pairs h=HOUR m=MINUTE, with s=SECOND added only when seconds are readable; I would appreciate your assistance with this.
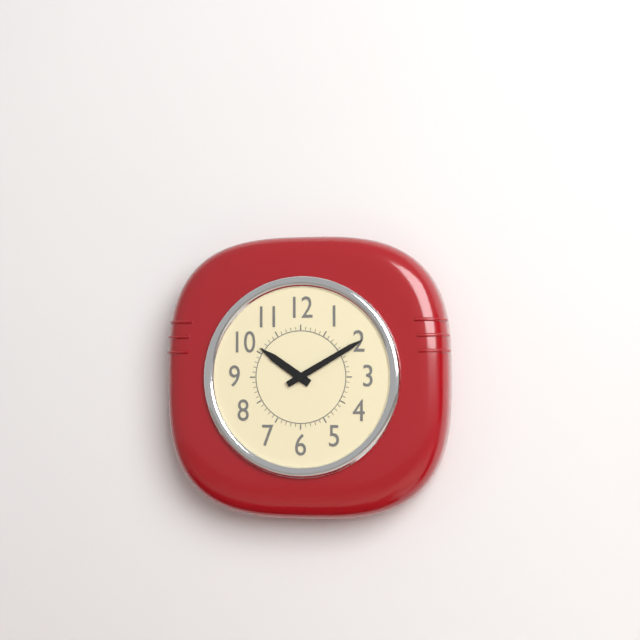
h=10 m=10
